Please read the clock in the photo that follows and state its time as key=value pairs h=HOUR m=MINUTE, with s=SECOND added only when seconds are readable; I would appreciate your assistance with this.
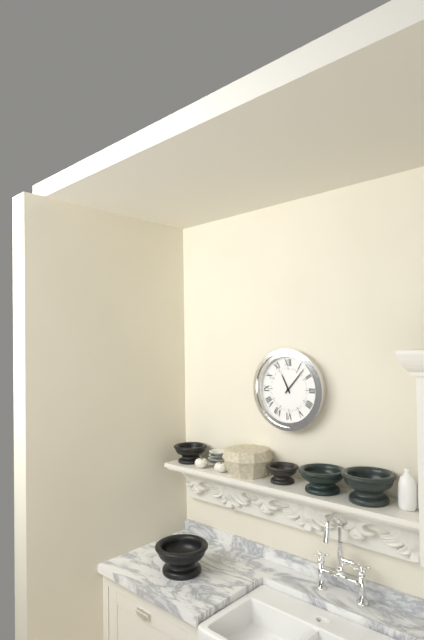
h=11 m=7
